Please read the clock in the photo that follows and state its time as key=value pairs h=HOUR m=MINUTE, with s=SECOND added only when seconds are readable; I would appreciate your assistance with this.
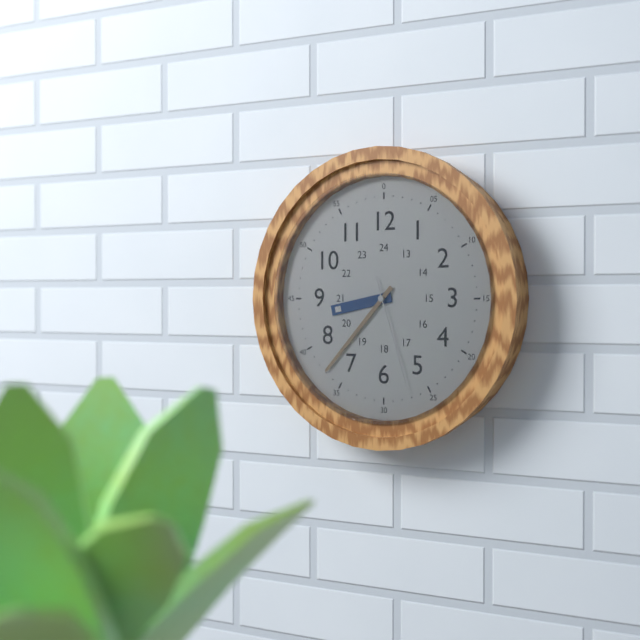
h=8 m=37 s=27
